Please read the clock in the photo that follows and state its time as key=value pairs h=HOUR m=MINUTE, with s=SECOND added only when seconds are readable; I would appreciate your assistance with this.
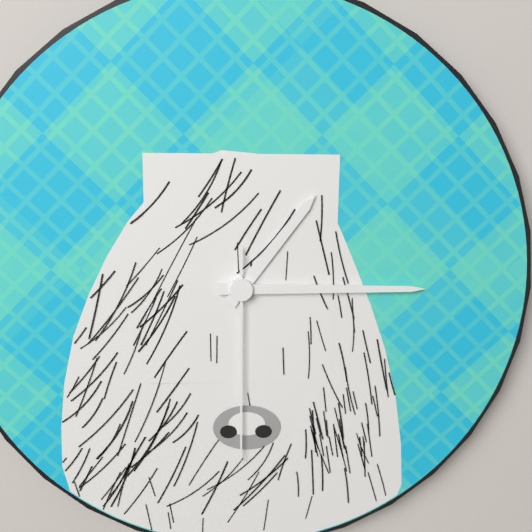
h=1 m=15 s=30
